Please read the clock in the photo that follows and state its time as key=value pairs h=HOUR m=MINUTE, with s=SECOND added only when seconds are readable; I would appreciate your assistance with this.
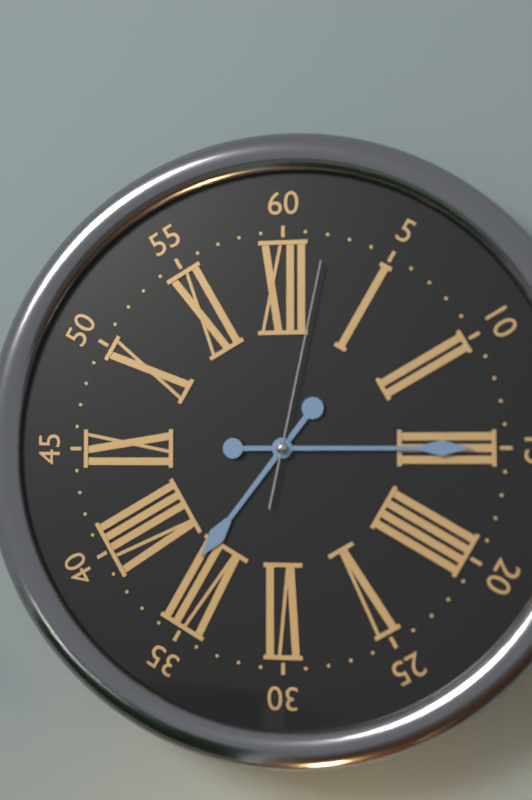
h=7 m=15 s=2
